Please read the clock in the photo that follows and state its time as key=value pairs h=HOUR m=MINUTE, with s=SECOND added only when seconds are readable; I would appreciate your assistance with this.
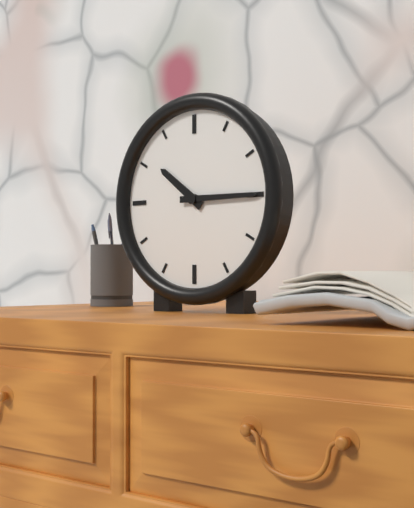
h=10 m=15
